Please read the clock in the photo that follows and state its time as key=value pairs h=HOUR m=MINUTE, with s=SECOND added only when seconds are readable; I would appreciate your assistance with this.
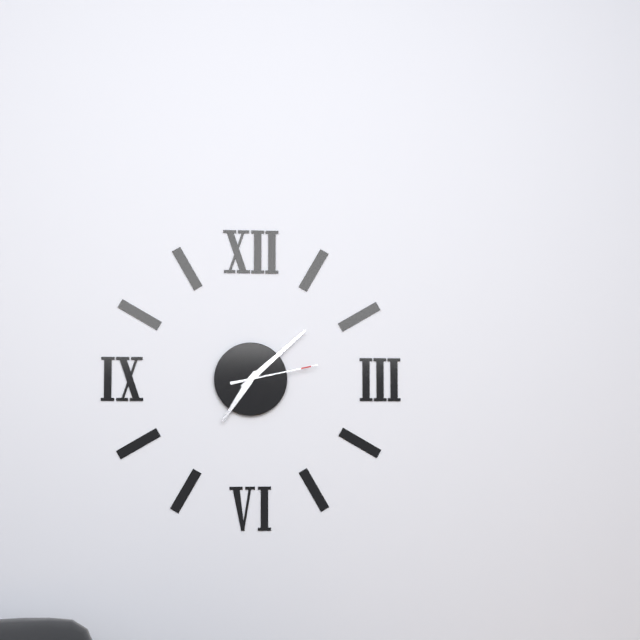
h=7 m=8 s=13
